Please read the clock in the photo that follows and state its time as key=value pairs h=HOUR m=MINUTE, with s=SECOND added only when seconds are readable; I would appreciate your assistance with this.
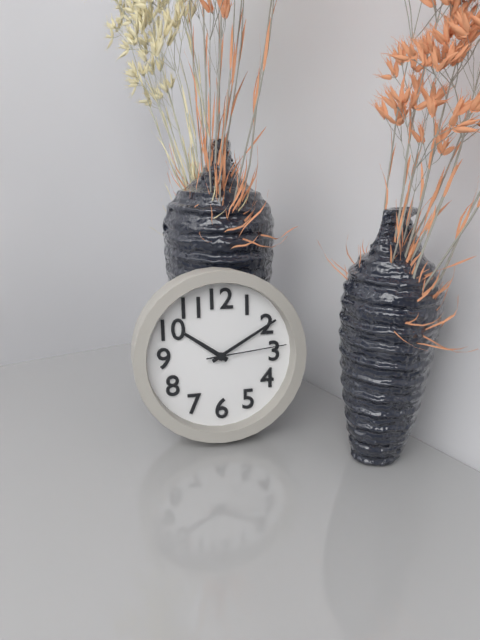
h=10 m=10 s=14
